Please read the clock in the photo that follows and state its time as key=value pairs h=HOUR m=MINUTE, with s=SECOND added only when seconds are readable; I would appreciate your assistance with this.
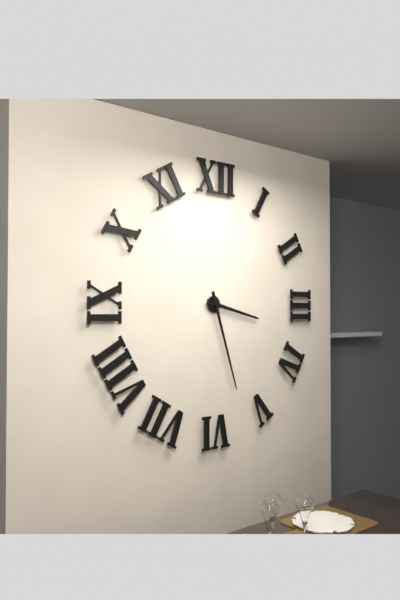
h=3 m=27
